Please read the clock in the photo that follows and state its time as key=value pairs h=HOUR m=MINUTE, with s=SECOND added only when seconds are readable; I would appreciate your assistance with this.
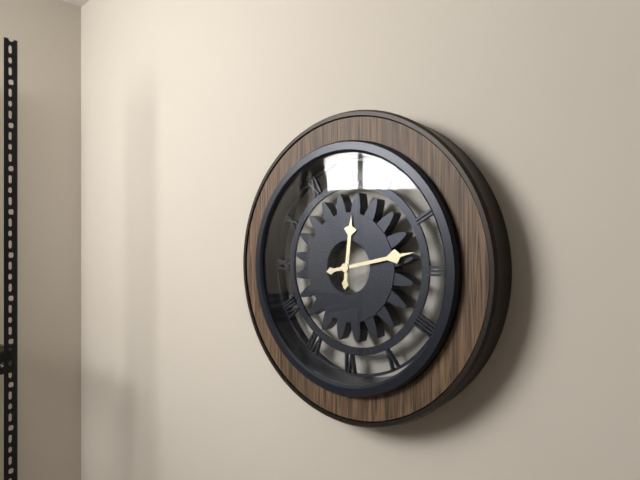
h=12 m=13
